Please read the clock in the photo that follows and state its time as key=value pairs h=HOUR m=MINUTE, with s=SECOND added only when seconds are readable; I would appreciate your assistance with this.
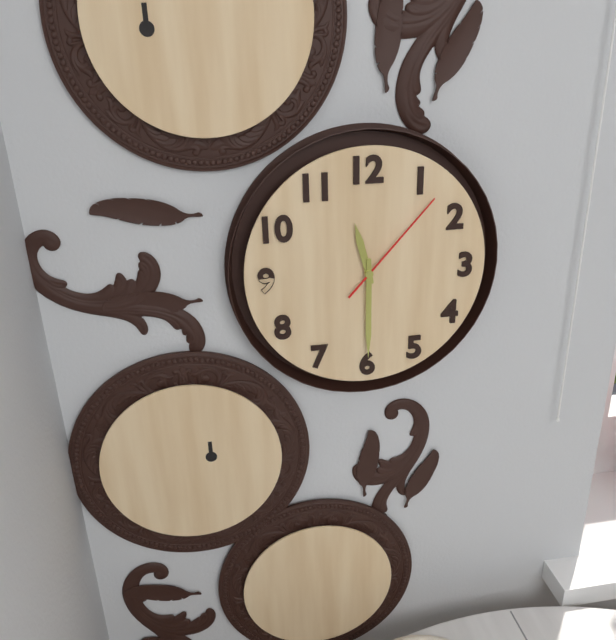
h=11 m=30 s=7
